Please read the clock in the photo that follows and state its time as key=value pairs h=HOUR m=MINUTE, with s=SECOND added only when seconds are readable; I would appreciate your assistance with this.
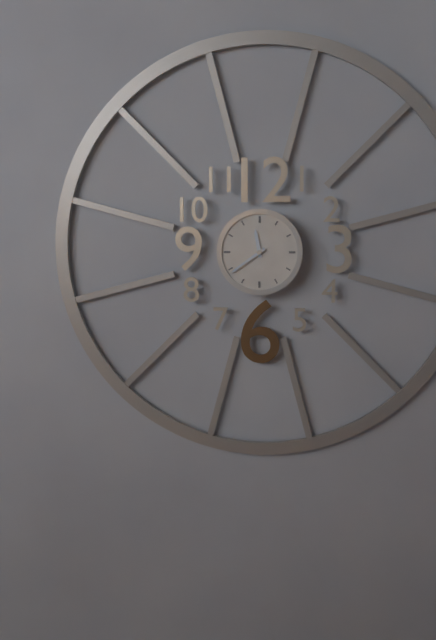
h=11 m=39
